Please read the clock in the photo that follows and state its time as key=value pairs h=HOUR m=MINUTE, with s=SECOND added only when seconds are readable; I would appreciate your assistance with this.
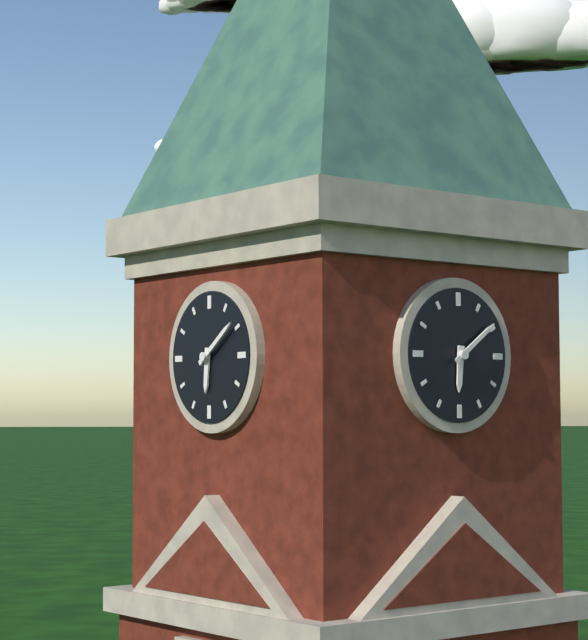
h=6 m=9
